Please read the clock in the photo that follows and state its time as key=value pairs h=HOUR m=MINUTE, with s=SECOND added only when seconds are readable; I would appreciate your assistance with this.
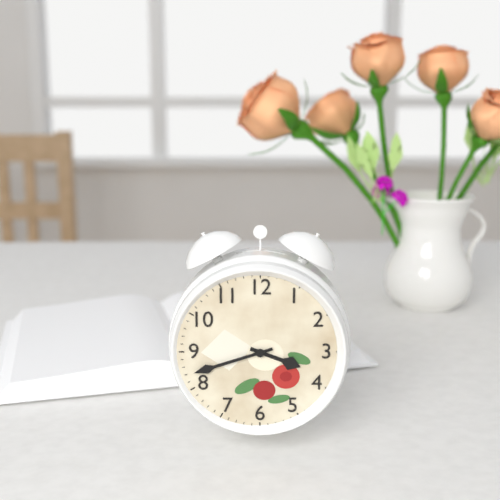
h=3 m=42
